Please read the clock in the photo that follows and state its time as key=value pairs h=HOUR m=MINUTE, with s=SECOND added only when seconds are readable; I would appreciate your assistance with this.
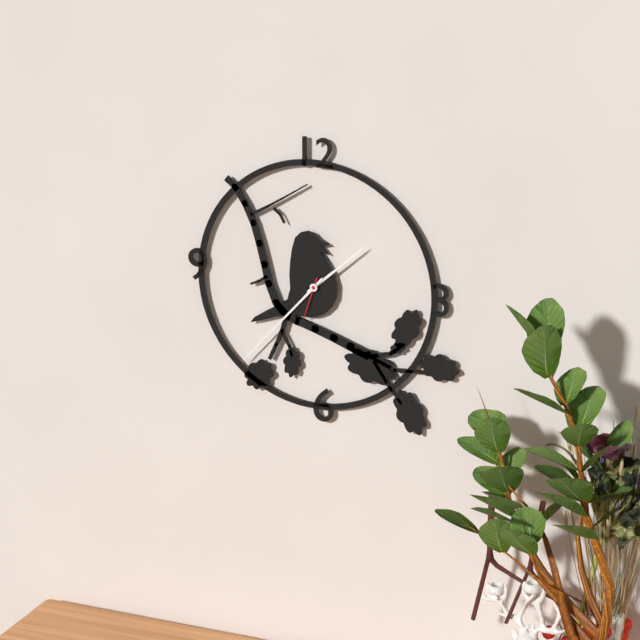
h=1 m=37
